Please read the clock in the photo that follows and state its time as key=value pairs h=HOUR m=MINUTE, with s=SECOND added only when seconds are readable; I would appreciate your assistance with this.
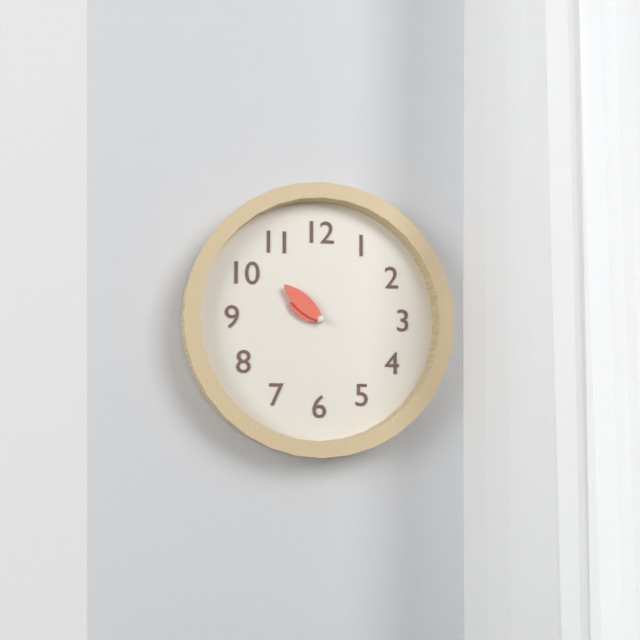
h=9 m=52
